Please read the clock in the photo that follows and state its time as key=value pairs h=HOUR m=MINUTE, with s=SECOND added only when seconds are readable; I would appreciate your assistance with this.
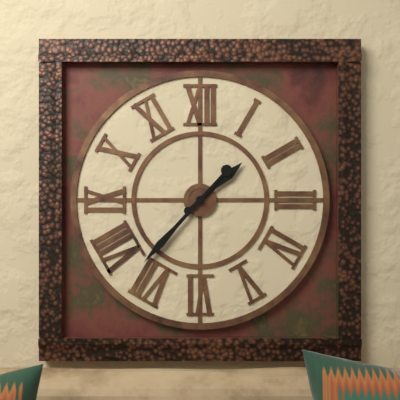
h=1 m=37
